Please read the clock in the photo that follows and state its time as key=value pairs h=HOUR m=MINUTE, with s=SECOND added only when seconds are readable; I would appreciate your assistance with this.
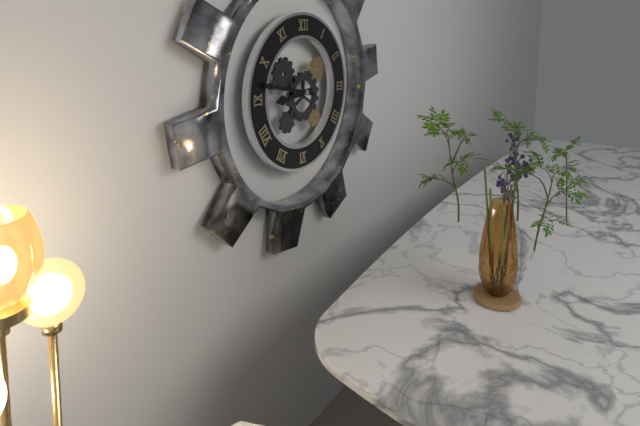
h=8 m=47
